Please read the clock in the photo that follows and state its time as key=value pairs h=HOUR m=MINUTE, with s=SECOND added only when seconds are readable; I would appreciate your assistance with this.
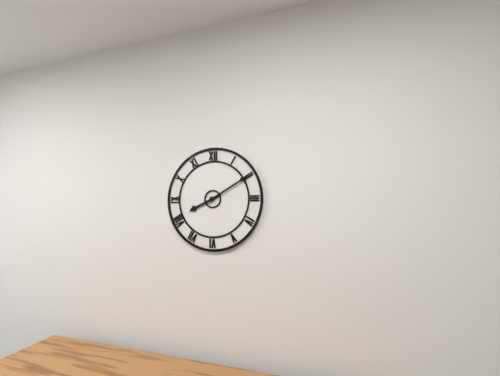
h=8 m=10
